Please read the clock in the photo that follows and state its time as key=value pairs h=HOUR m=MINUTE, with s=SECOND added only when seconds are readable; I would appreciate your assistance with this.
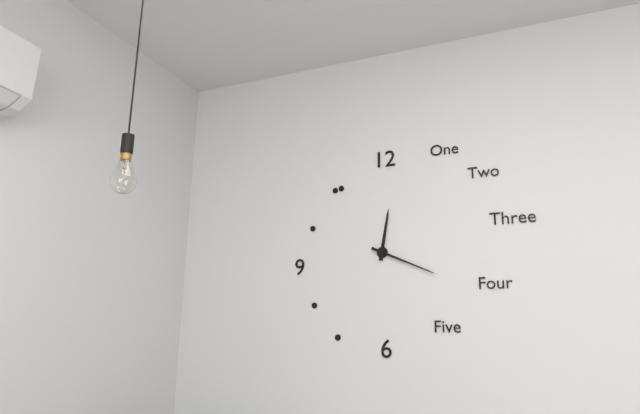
h=12 m=19
